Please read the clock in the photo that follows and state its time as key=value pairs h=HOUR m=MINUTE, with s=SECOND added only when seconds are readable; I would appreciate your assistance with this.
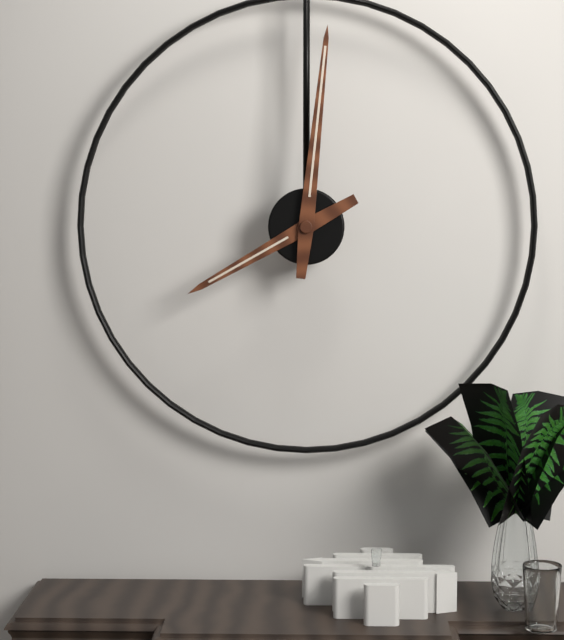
h=8 m=1
